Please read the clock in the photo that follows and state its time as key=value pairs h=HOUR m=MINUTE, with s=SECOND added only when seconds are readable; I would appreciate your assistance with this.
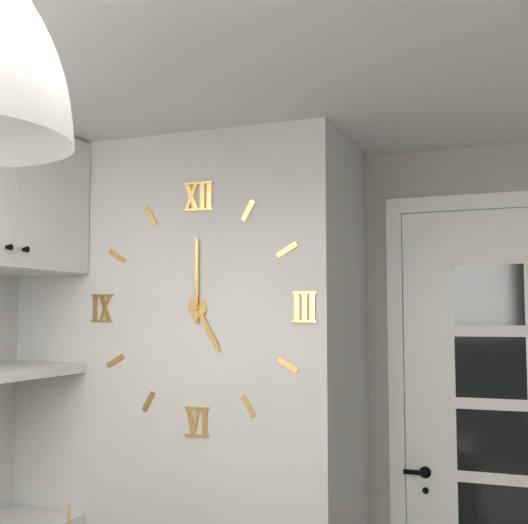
h=5 m=0
